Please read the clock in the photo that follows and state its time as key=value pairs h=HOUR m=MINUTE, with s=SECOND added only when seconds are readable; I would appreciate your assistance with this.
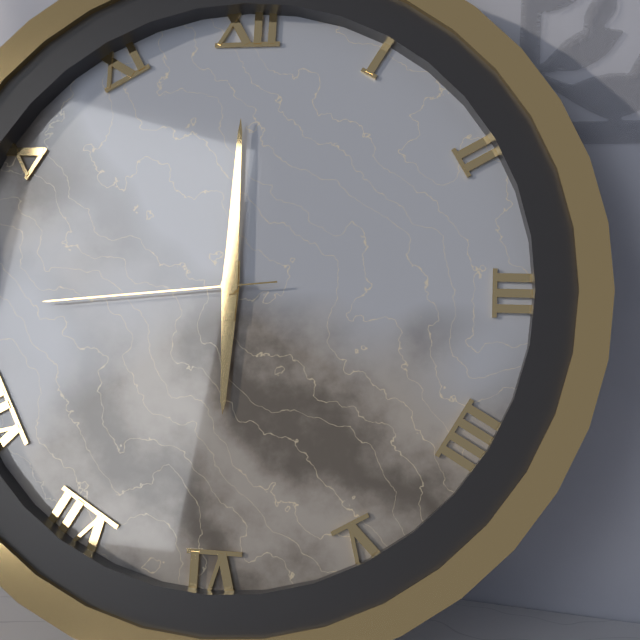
h=6 m=0 s=44
